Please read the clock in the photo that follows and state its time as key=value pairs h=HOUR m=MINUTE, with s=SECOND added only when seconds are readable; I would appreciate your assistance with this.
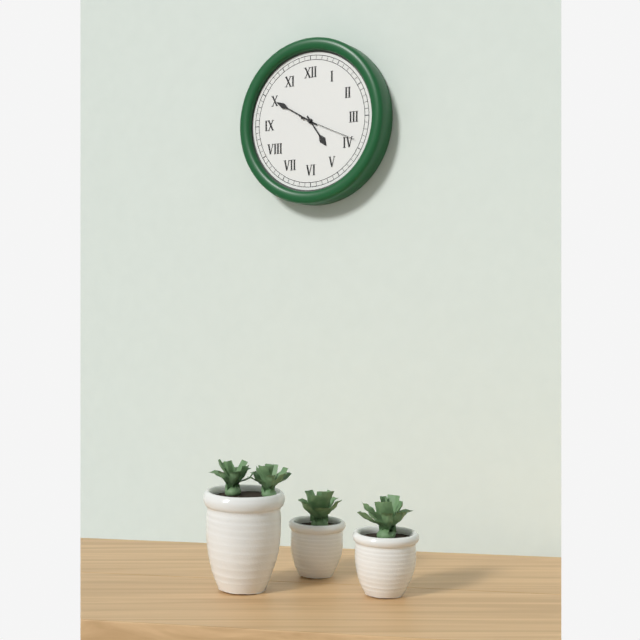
h=4 m=50
